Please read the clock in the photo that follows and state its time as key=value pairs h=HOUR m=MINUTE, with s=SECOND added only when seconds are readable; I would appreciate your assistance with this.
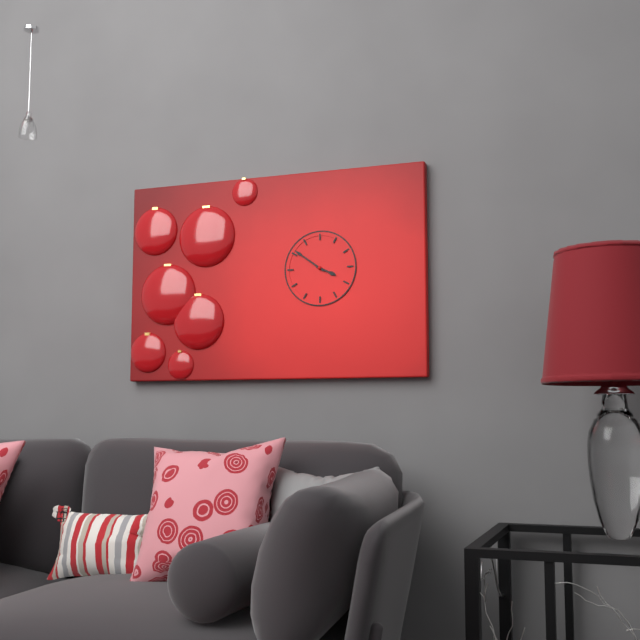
h=3 m=51
